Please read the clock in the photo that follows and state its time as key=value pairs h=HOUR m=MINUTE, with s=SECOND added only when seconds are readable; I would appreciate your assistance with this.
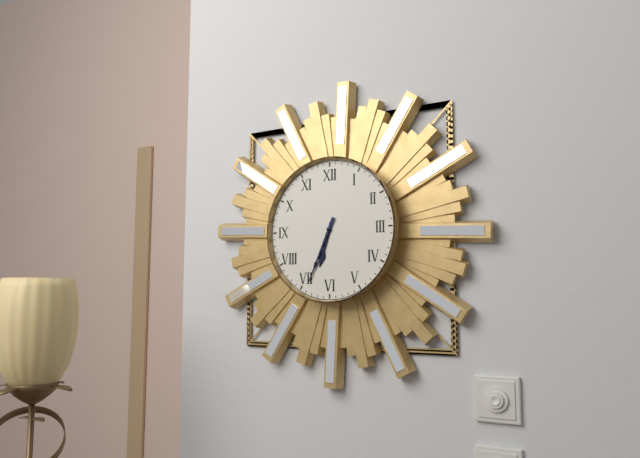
h=6 m=34
